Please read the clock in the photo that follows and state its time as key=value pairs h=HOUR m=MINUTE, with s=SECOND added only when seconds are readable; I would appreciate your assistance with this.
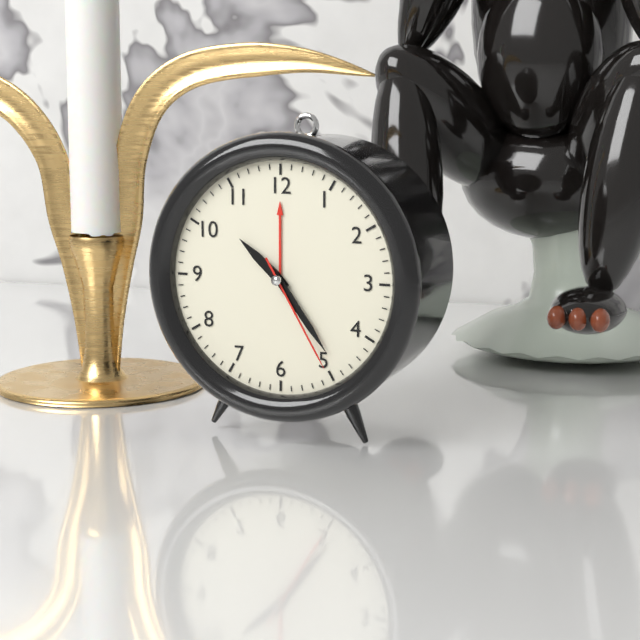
h=10 m=24 s=25
